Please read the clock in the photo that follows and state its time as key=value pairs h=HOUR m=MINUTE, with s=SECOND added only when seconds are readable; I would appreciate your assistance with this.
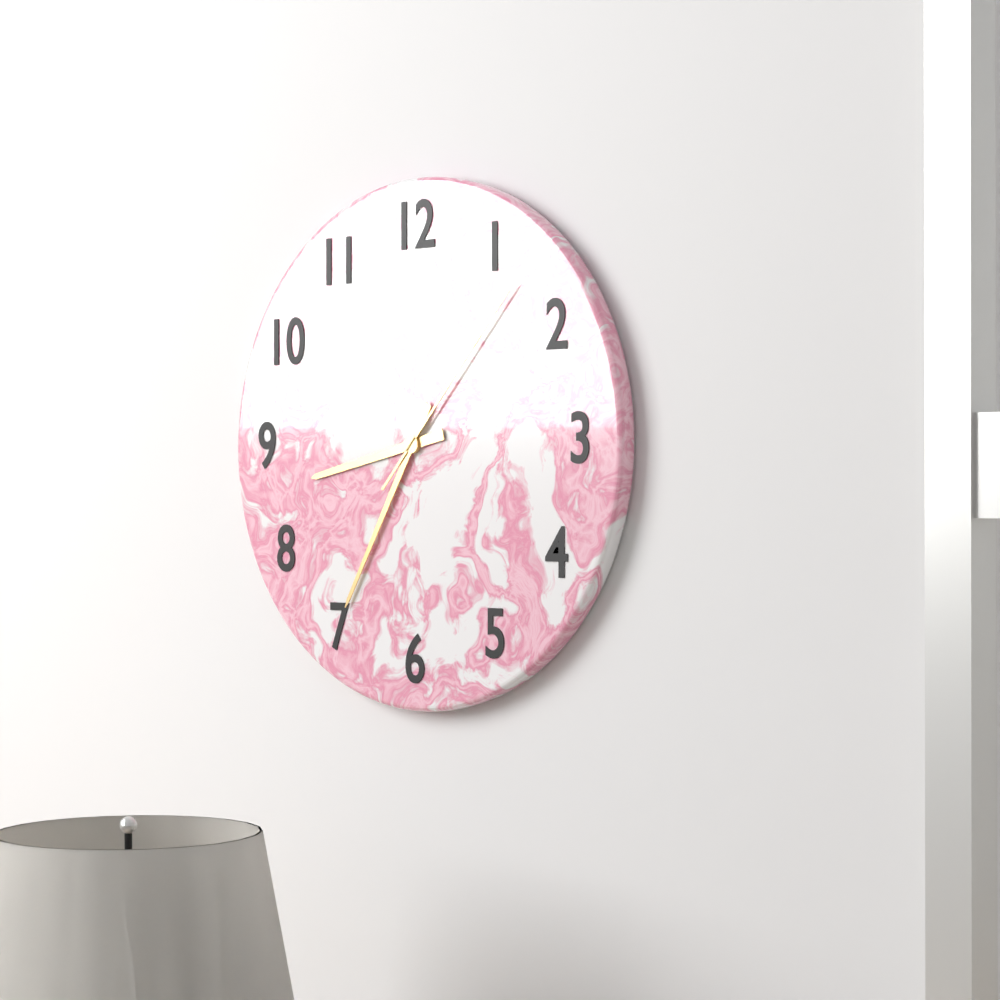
h=8 m=35 s=7
